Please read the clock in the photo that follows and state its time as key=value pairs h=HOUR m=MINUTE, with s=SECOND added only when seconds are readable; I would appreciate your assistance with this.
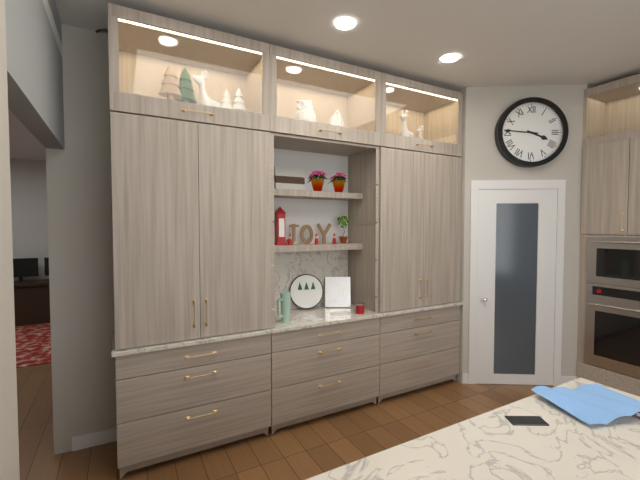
h=3 m=46
